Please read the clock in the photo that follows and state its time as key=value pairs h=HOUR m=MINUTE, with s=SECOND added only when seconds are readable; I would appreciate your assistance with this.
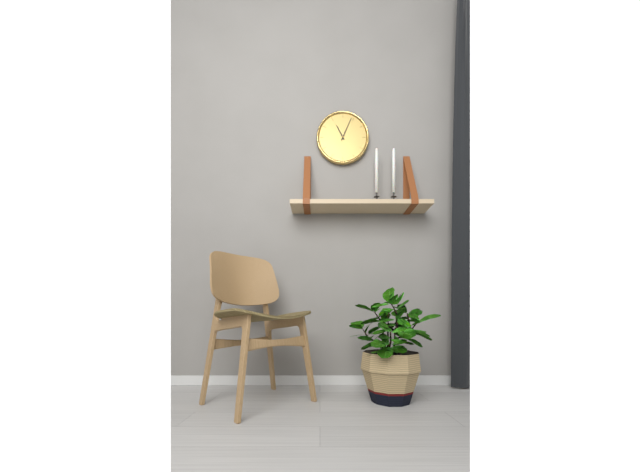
h=11 m=4
